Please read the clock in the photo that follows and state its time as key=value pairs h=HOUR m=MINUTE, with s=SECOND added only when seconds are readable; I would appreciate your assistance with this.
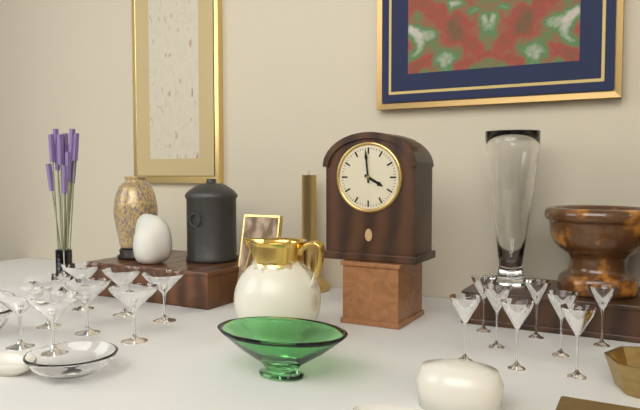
h=3 m=59
